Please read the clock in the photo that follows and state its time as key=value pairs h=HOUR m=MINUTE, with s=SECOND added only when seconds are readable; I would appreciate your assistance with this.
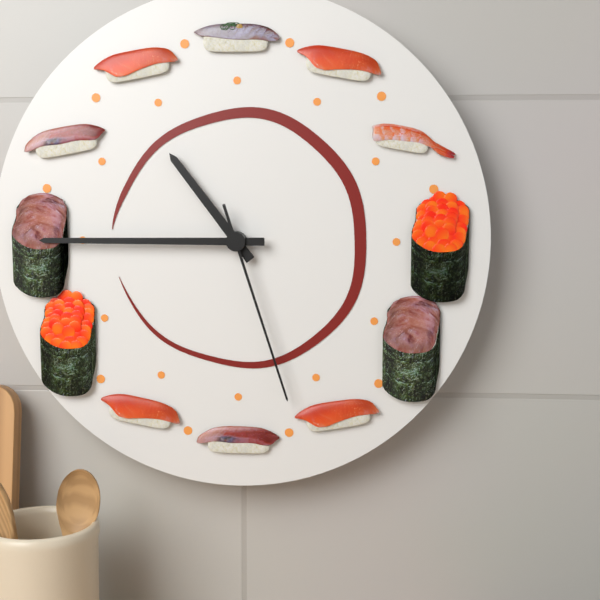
h=10 m=45 s=27
